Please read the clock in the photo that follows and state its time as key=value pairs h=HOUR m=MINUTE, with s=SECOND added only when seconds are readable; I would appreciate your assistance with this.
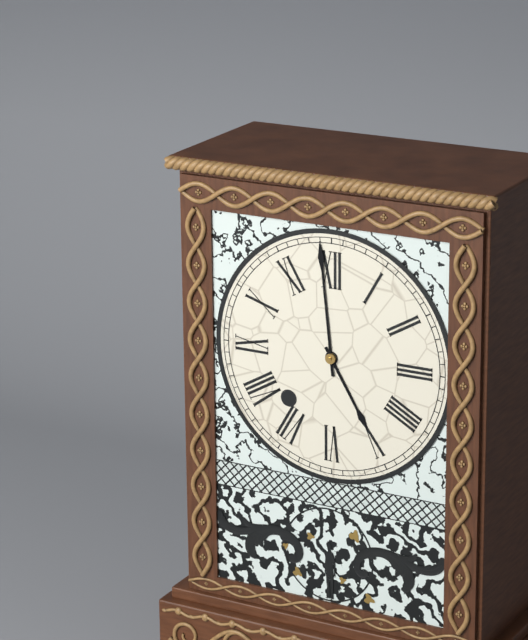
h=4 m=59
